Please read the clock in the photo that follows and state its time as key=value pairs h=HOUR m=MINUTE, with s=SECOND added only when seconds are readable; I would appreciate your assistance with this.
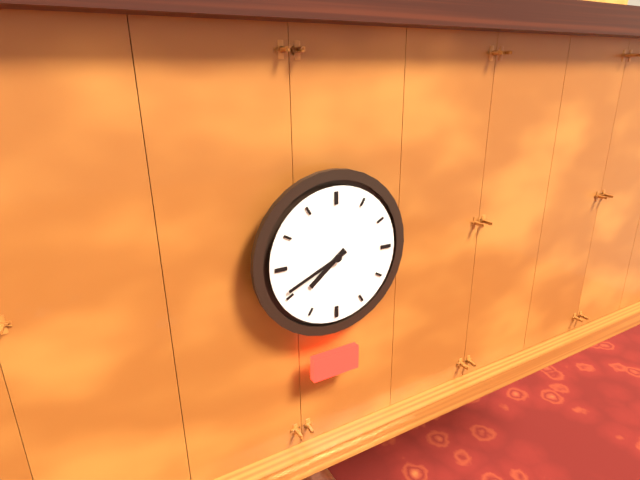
h=7 m=41
